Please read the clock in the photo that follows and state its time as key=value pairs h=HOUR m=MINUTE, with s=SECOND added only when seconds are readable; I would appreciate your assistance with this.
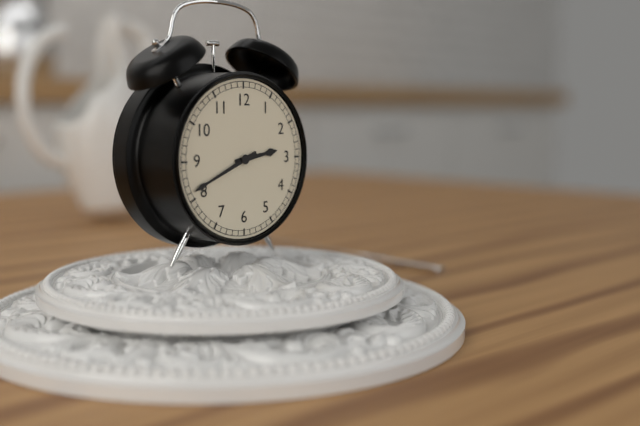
h=2 m=41
